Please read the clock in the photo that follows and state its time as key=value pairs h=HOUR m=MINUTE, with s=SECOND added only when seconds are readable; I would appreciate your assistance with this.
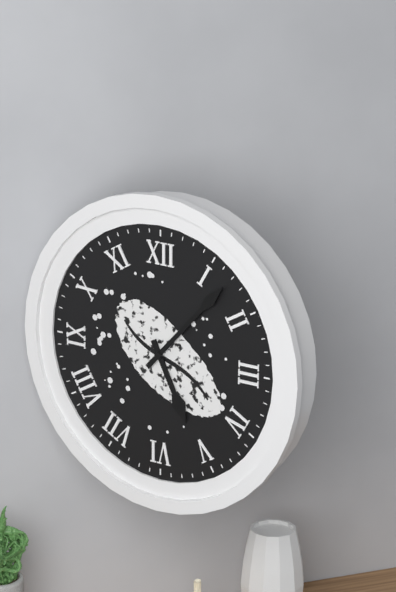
h=5 m=7
